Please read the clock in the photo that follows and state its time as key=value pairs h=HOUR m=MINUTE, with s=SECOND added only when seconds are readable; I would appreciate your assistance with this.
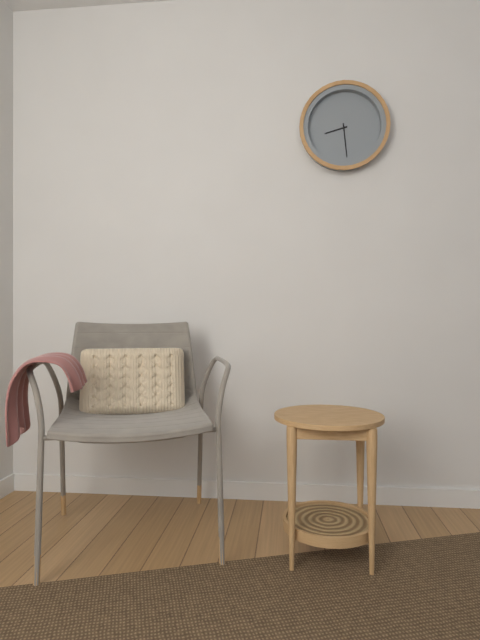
h=8 m=29
